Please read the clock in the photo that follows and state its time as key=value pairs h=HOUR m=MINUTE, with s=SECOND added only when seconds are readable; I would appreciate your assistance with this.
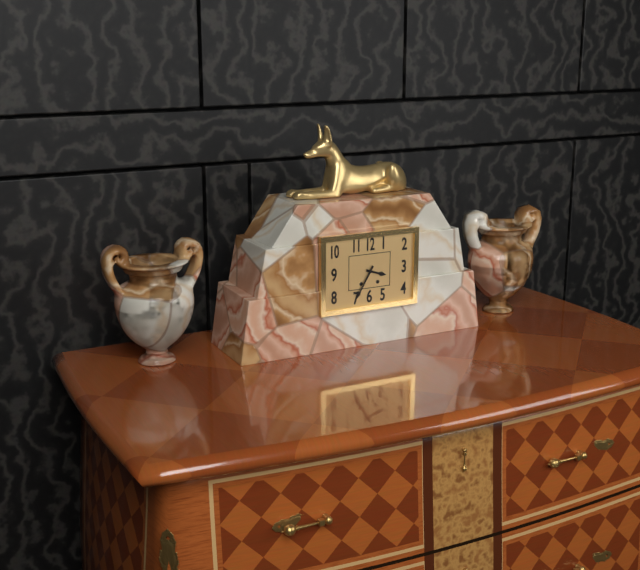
h=3 m=35
